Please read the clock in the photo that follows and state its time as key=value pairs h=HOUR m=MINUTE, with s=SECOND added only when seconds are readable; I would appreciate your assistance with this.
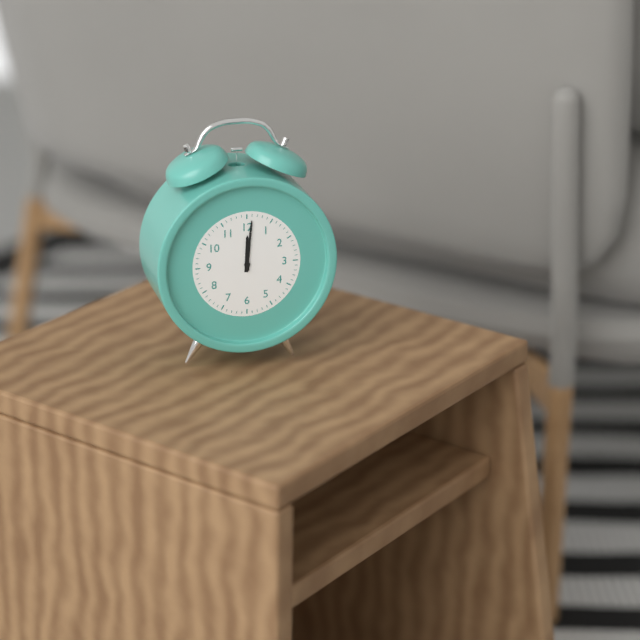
h=12 m=1
